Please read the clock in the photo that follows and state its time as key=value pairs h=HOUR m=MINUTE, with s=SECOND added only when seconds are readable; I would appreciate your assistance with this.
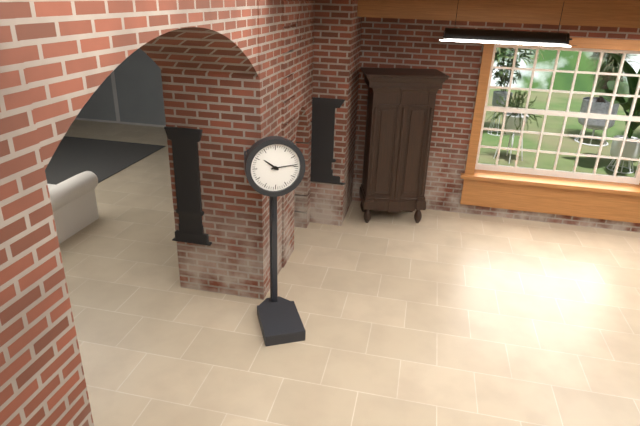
h=10 m=14
